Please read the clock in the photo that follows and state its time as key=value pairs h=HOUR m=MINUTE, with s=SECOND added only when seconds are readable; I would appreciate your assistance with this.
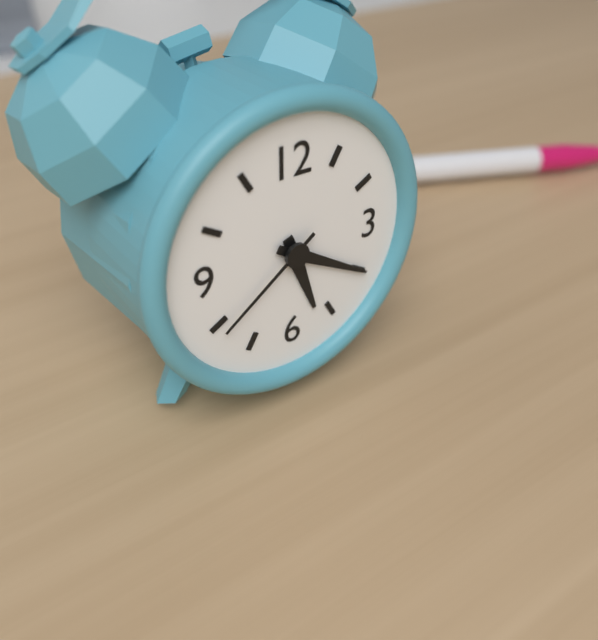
h=5 m=20 s=39
